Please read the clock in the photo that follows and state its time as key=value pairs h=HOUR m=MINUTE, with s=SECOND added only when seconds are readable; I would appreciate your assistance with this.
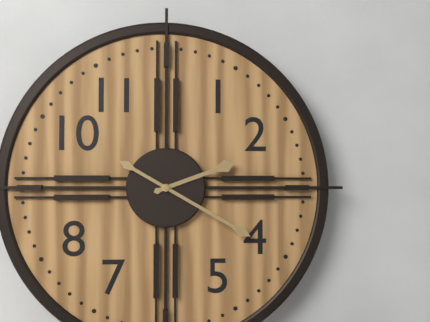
h=2 m=20
